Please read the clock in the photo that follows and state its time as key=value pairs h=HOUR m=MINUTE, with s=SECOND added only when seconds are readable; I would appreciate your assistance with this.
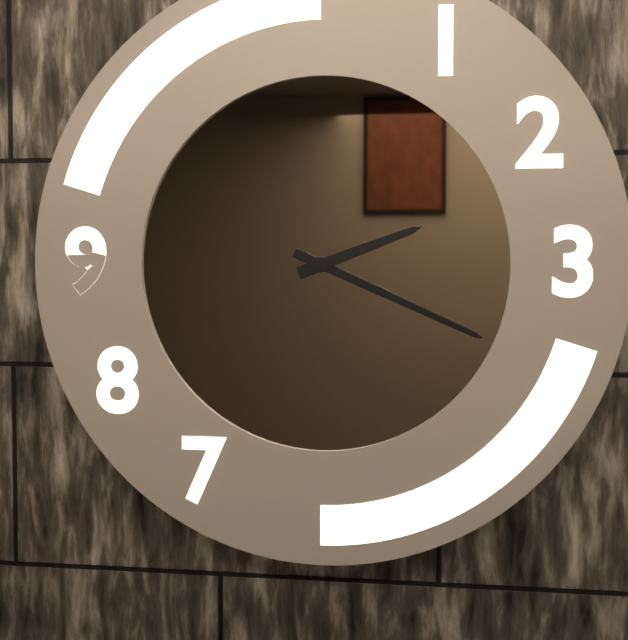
h=2 m=19
